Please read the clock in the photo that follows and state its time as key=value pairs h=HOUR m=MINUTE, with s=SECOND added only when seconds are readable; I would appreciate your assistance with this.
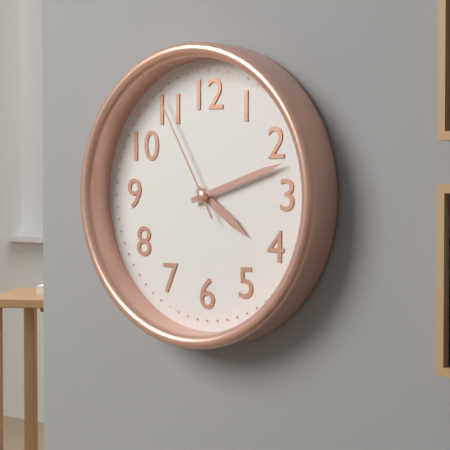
h=4 m=12 s=55
